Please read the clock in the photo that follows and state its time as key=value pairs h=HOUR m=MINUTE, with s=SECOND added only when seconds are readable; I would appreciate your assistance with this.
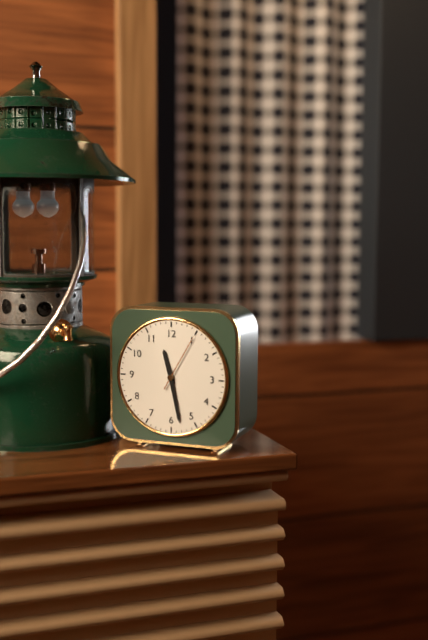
h=11 m=28
